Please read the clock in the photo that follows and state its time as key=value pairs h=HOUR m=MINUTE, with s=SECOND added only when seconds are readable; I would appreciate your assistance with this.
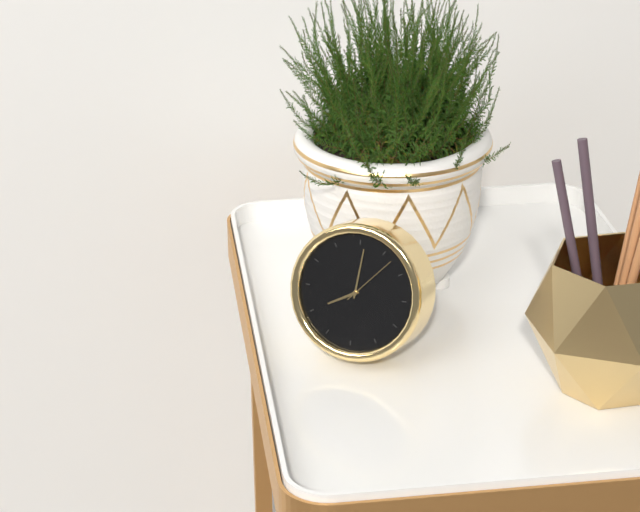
h=8 m=1 s=7
